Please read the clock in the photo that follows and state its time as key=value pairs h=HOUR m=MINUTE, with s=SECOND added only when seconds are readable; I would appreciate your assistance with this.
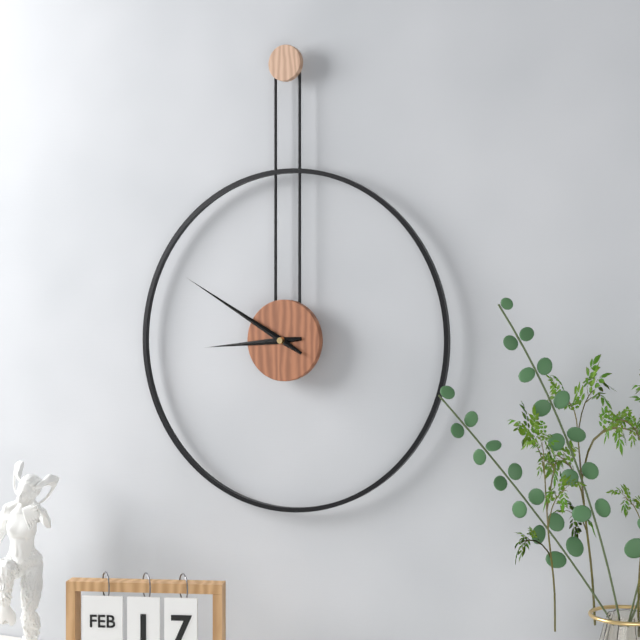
h=8 m=50
